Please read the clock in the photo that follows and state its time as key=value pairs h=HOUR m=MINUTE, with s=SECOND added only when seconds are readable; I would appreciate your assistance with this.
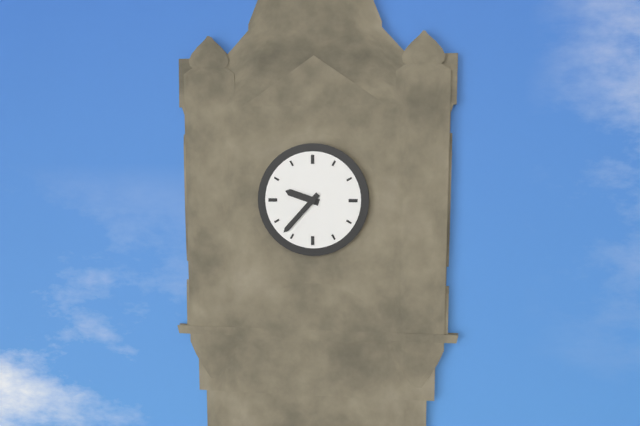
h=9 m=37
